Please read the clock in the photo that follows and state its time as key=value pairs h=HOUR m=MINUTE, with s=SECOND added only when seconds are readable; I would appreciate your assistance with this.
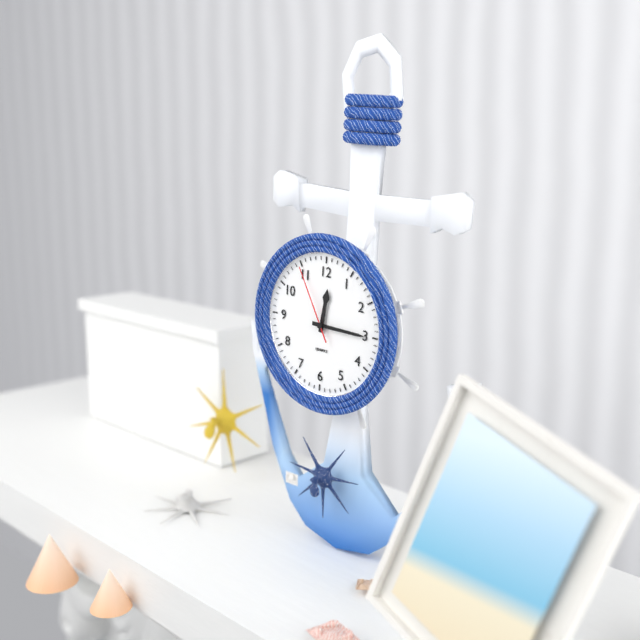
h=12 m=15 s=55
